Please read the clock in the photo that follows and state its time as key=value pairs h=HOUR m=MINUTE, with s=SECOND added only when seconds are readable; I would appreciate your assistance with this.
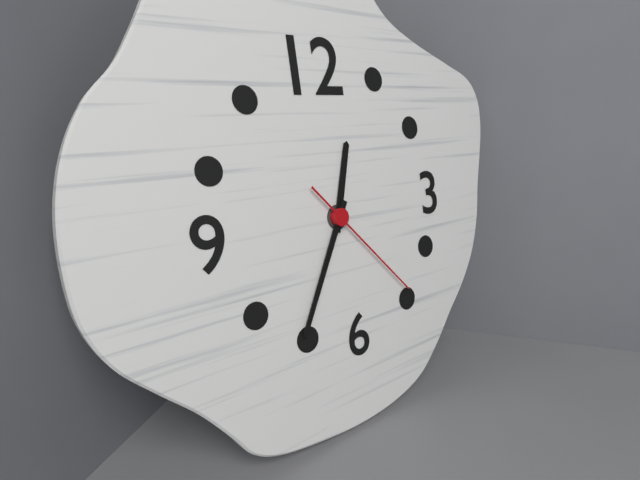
h=12 m=35 s=23
